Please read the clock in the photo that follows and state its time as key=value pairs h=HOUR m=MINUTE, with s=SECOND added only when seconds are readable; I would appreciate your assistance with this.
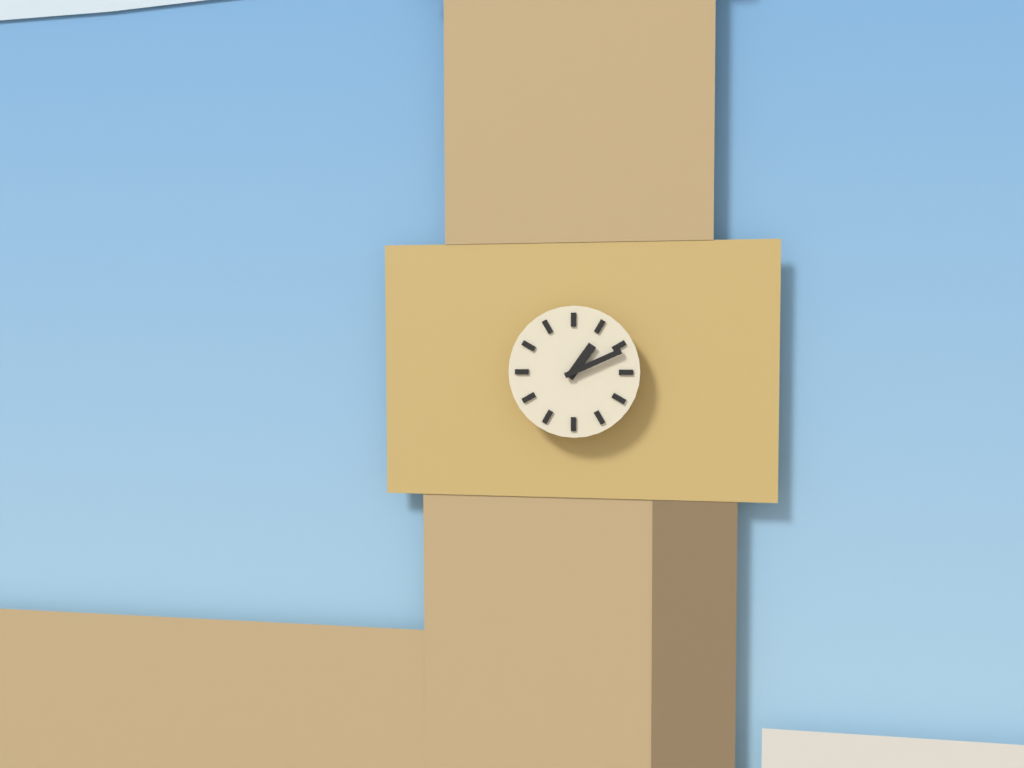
h=1 m=11
